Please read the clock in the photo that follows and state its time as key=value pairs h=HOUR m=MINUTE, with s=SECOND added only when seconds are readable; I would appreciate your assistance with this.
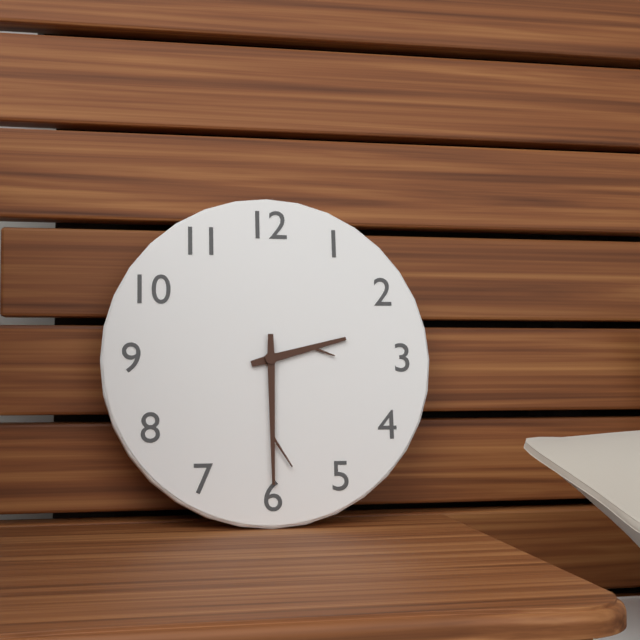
h=2 m=30
